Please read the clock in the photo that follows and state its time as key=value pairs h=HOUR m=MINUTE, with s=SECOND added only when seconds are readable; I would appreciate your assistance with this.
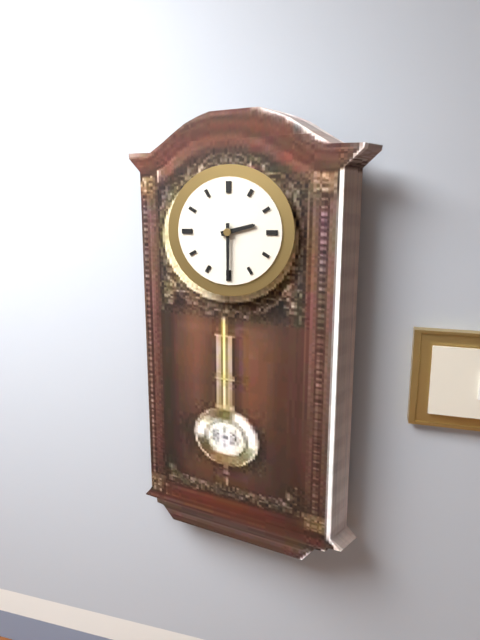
h=2 m=30
